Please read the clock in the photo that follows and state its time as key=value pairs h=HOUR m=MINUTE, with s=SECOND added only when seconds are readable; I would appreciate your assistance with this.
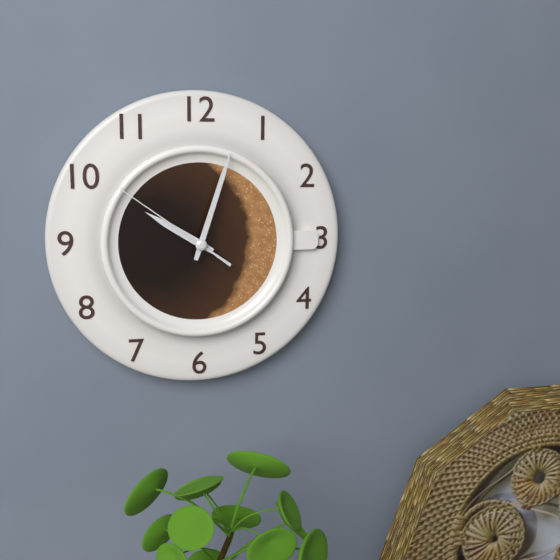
h=10 m=3 s=51
